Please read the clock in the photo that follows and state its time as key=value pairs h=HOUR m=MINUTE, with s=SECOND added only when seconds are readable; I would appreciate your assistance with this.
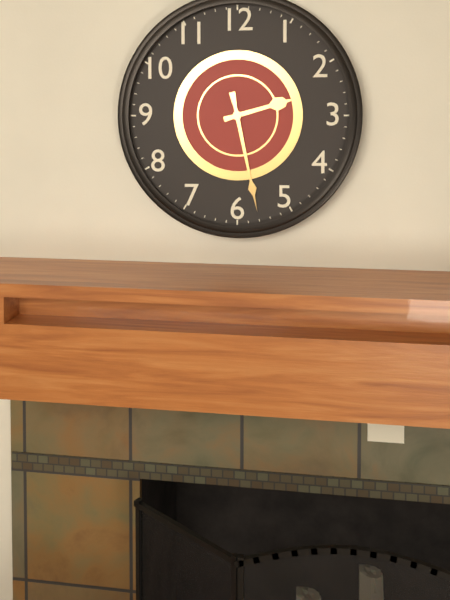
h=2 m=28
